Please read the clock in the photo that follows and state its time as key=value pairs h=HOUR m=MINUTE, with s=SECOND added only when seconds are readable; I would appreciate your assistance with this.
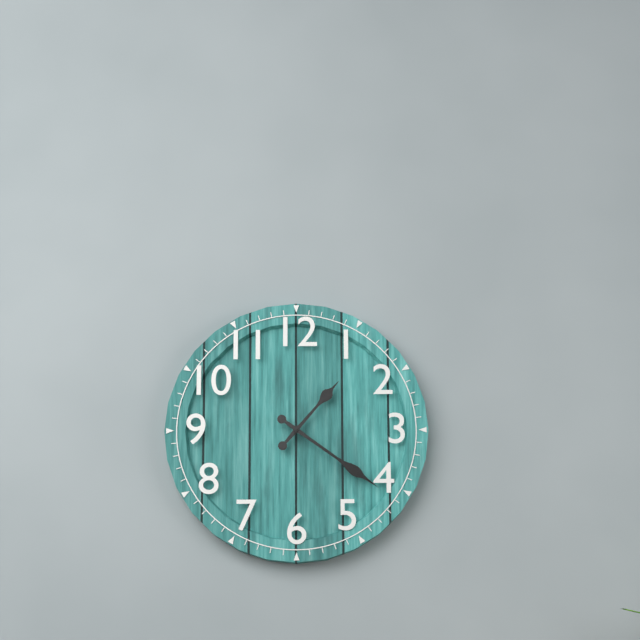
h=1 m=21
